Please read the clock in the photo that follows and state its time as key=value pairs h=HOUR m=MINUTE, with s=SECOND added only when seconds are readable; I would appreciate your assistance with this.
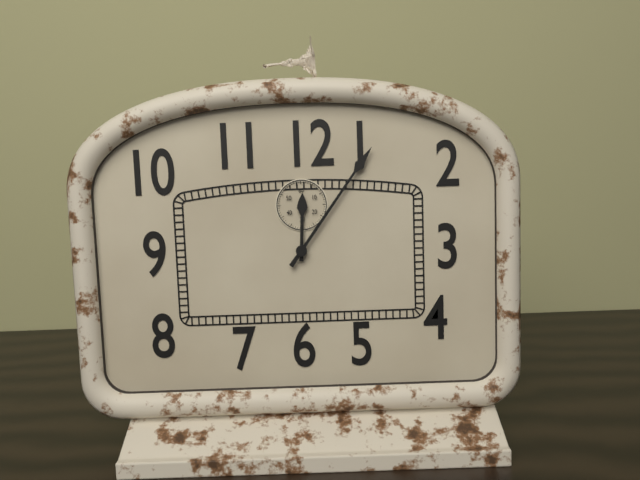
h=12 m=6
